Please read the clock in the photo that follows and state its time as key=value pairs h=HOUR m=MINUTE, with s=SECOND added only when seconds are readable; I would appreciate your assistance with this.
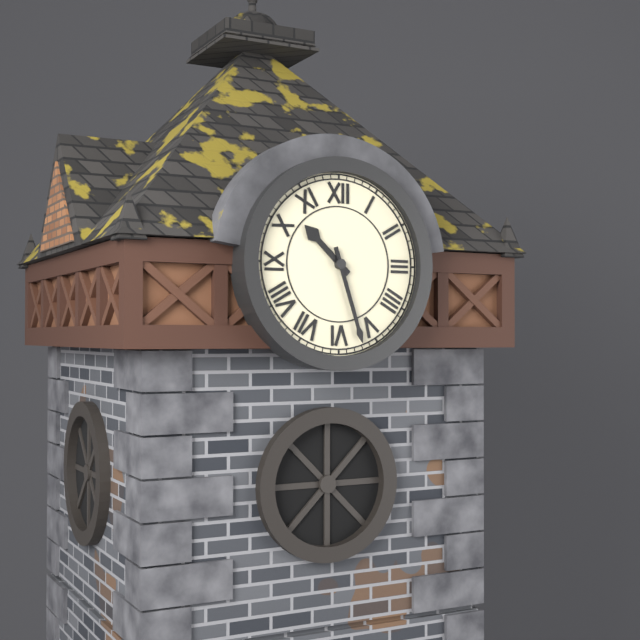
h=10 m=27
